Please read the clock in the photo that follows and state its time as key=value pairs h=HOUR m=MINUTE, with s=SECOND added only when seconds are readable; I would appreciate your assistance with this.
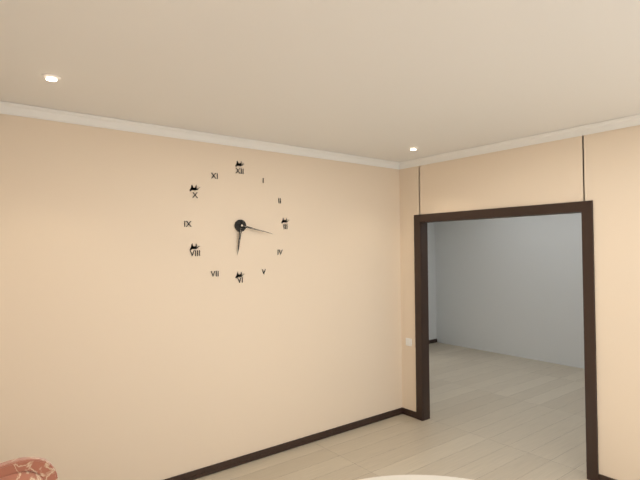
h=6 m=17
